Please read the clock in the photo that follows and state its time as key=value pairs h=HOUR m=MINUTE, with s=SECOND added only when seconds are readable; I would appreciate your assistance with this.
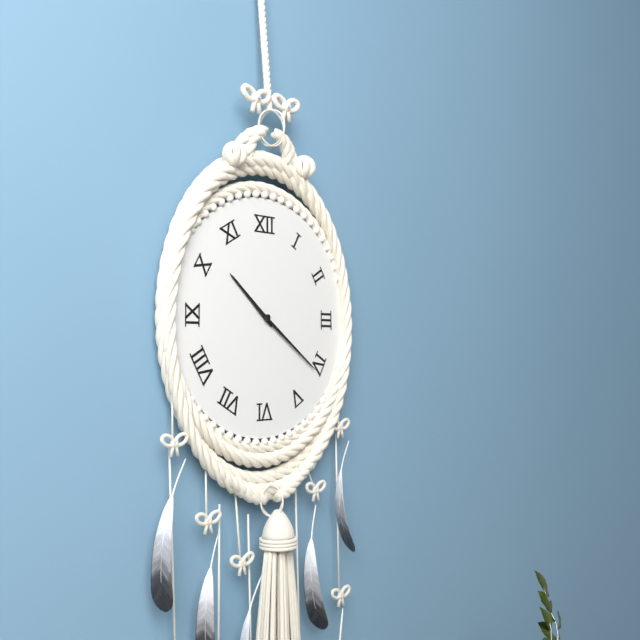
h=10 m=21
